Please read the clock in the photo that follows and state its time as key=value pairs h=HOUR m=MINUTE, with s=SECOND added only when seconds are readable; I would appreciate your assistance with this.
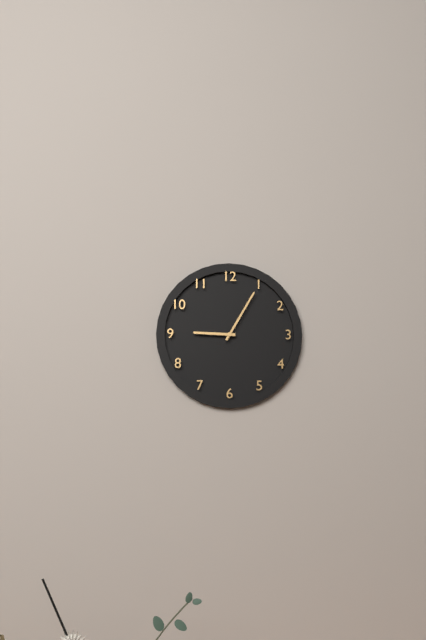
h=9 m=5
